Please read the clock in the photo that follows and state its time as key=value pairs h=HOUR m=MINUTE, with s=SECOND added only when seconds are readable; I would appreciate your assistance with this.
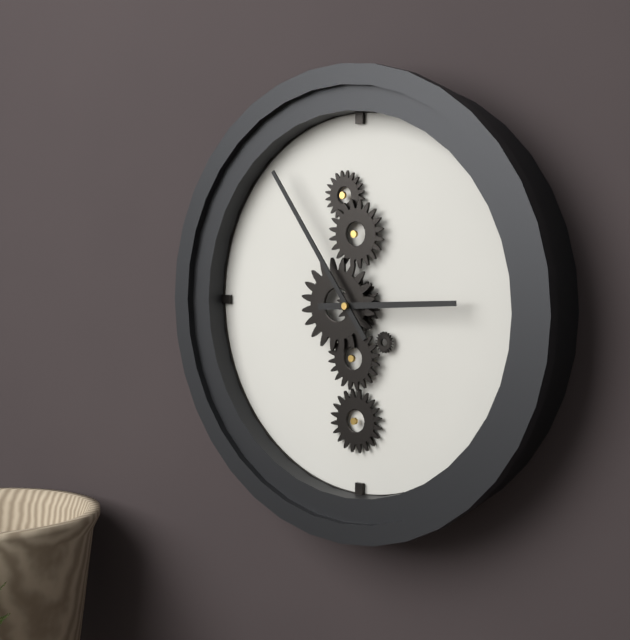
h=2 m=54
